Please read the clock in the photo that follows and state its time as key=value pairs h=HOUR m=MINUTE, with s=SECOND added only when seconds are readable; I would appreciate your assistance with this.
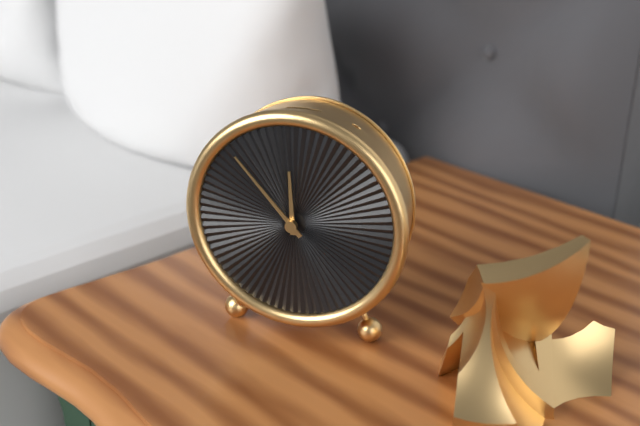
h=11 m=53
